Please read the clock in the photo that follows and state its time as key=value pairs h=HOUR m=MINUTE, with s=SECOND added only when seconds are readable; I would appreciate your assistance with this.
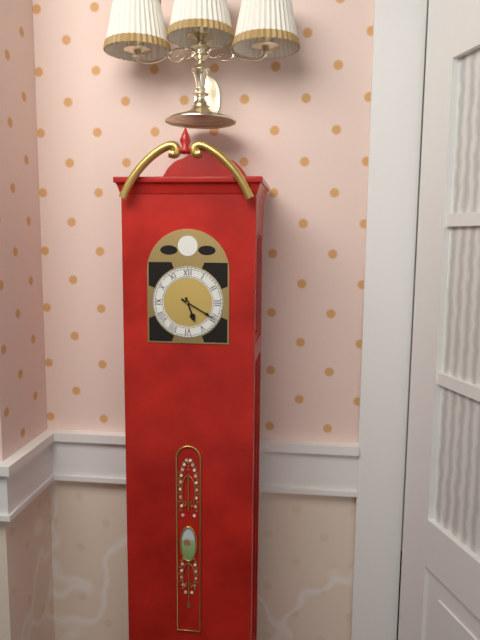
h=5 m=20
